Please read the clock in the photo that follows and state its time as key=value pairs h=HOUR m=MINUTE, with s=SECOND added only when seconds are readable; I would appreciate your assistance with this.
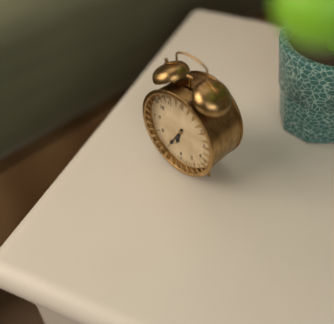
h=6 m=35
